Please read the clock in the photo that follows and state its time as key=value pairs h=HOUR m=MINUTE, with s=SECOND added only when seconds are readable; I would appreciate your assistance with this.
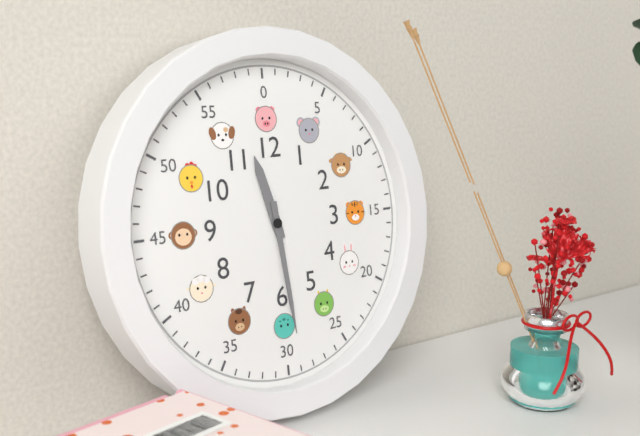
h=11 m=29
